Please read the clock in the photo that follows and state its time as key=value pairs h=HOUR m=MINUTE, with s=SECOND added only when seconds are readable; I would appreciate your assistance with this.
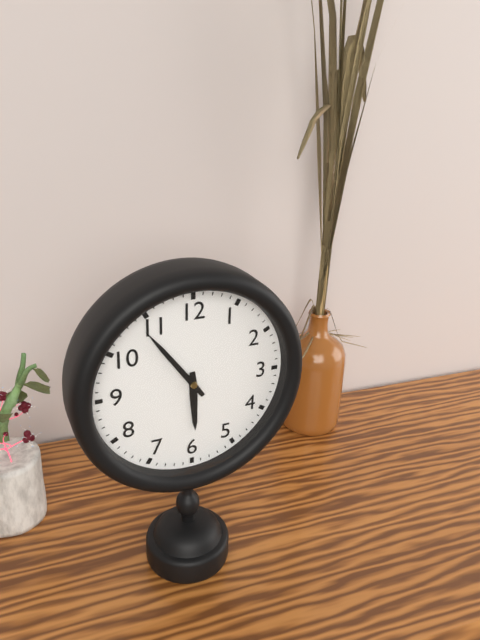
h=5 m=54
